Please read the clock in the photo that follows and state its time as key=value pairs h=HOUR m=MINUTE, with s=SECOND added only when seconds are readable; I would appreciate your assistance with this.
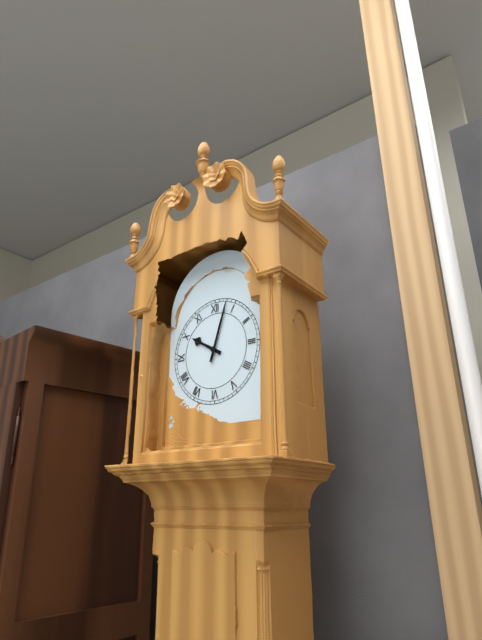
h=10 m=3
